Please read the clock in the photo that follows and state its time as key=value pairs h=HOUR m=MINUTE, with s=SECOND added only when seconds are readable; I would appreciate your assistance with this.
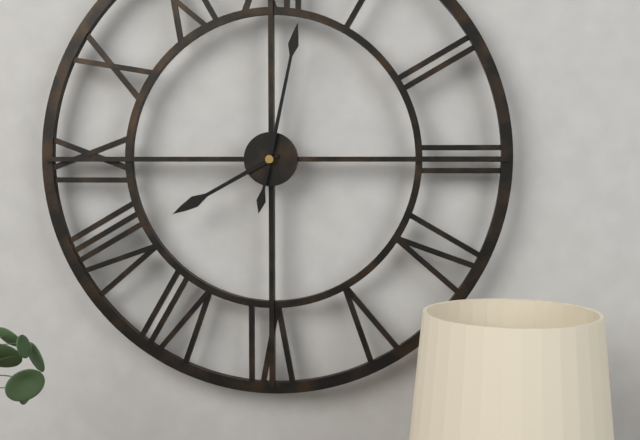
h=8 m=2
